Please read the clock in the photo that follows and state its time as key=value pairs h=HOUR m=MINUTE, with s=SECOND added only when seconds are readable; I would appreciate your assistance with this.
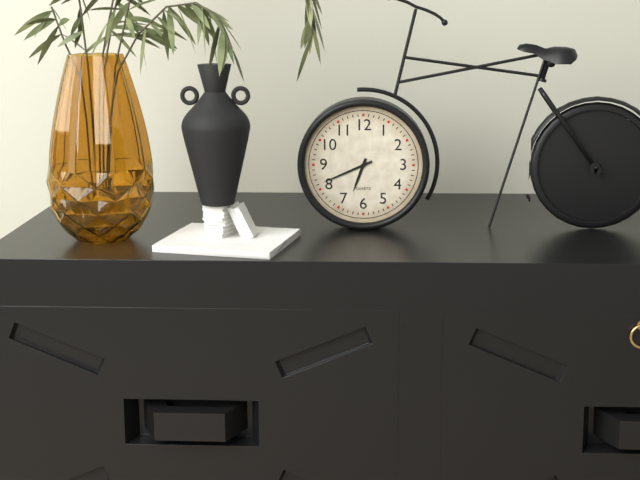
h=6 m=41
